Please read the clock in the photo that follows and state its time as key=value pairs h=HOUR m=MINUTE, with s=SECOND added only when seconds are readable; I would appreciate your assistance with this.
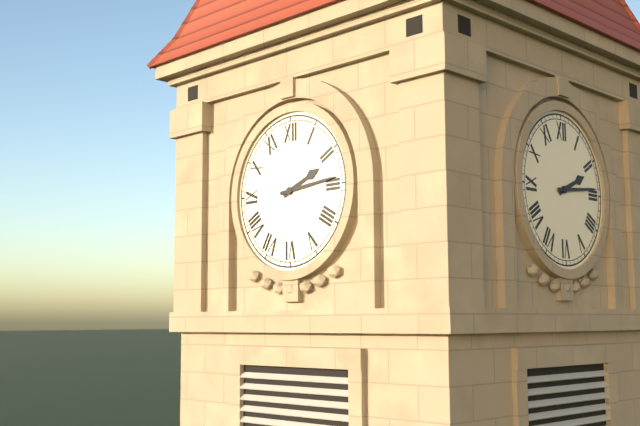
h=2 m=14
